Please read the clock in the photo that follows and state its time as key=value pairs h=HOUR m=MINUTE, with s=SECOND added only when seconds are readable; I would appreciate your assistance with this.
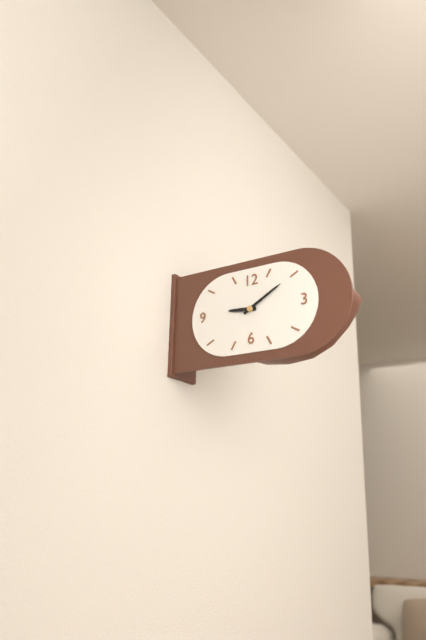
h=9 m=10
